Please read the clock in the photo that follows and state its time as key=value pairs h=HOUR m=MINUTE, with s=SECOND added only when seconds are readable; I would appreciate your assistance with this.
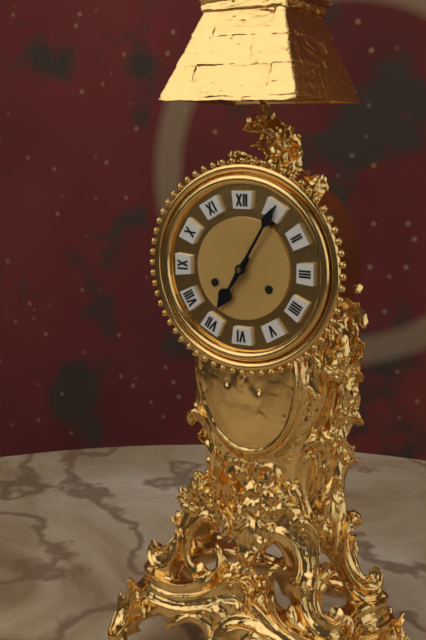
h=7 m=5
